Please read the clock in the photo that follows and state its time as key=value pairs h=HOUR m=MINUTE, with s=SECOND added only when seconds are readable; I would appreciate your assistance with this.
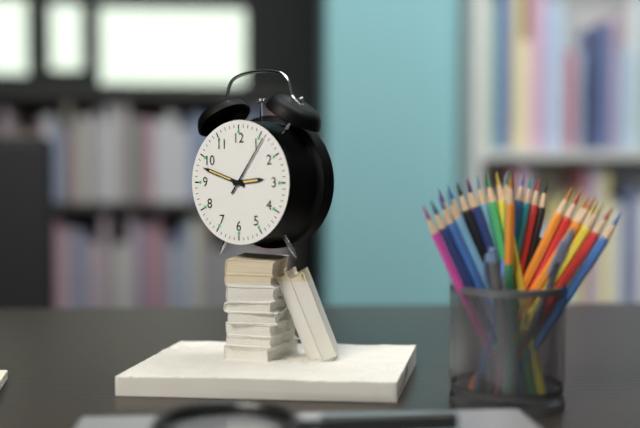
h=2 m=48 s=6
